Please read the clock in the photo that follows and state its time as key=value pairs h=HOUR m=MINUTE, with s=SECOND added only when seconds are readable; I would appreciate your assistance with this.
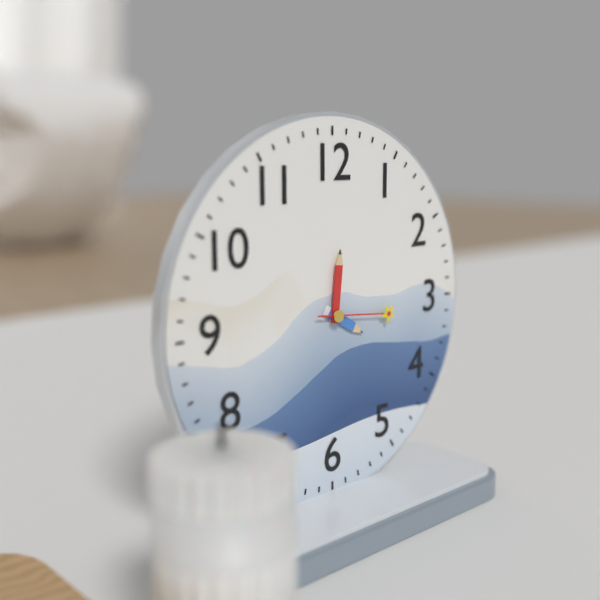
h=4 m=1 s=16
